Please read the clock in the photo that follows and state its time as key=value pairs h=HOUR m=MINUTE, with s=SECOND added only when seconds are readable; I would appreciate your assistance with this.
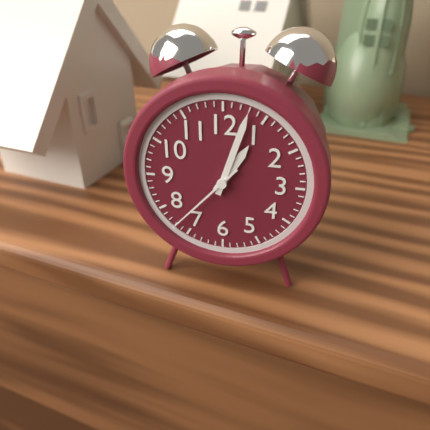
h=1 m=3 s=37
